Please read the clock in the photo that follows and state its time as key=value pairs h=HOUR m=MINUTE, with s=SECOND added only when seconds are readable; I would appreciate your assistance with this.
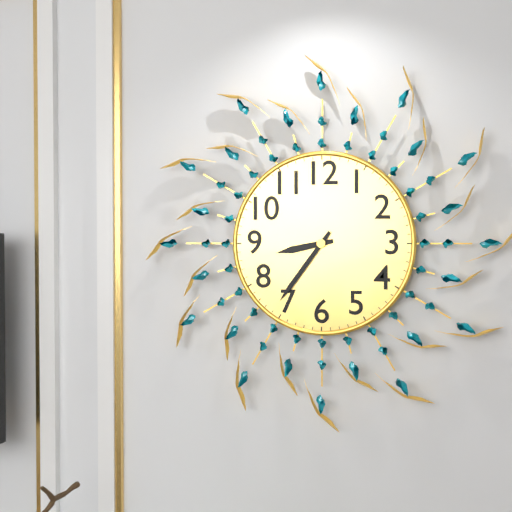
h=8 m=36
